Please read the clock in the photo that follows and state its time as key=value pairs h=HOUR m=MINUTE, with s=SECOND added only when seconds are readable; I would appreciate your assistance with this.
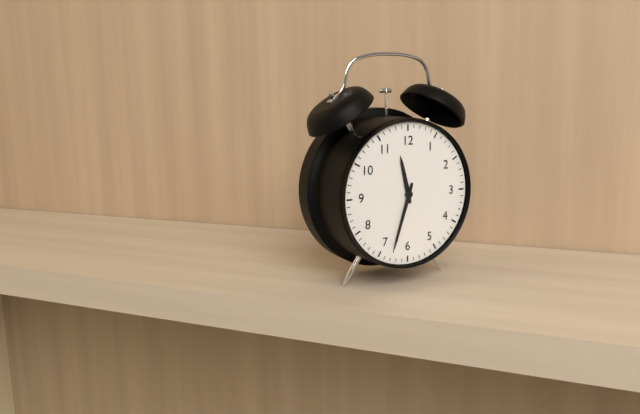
h=11 m=33
